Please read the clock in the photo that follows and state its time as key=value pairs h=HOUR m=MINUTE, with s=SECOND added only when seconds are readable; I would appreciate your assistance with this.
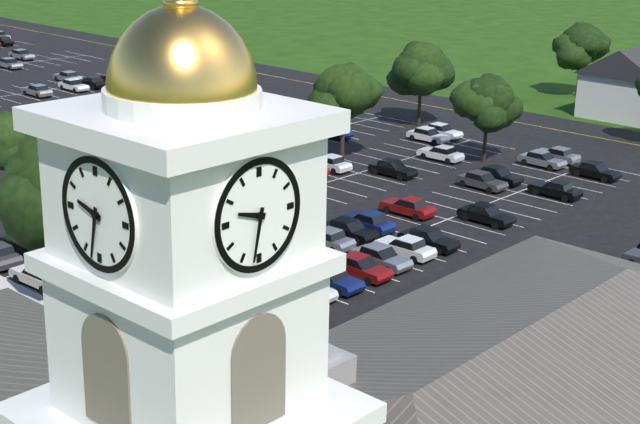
h=9 m=32
